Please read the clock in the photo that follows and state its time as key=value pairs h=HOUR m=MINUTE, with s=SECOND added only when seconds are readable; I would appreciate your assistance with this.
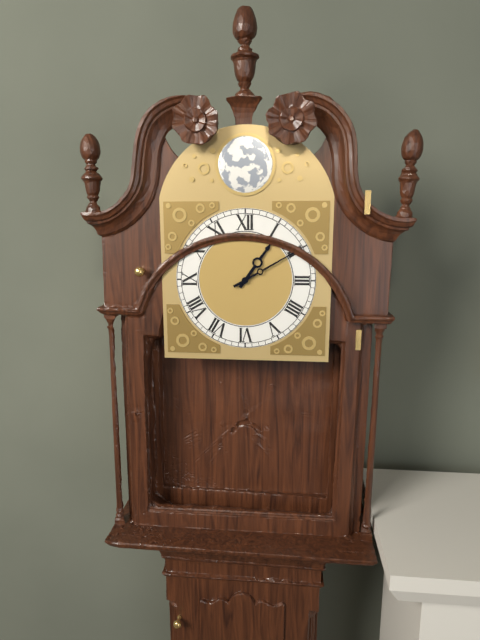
h=1 m=10
